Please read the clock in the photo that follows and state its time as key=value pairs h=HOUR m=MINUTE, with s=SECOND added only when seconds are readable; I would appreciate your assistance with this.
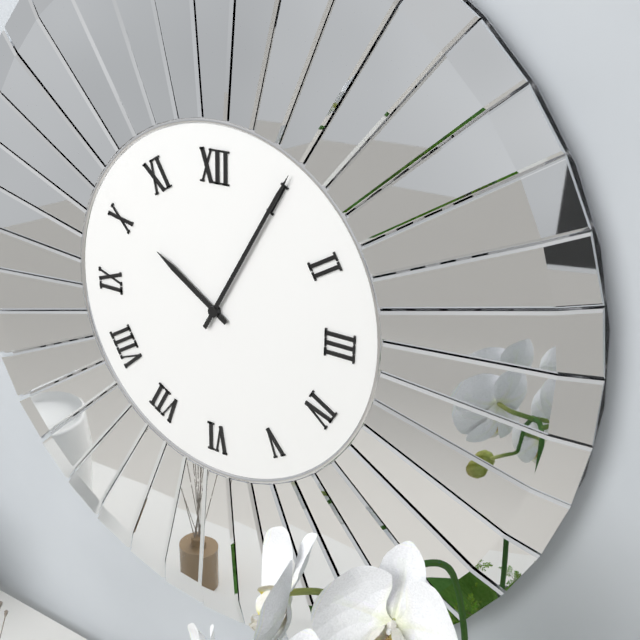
h=10 m=5
